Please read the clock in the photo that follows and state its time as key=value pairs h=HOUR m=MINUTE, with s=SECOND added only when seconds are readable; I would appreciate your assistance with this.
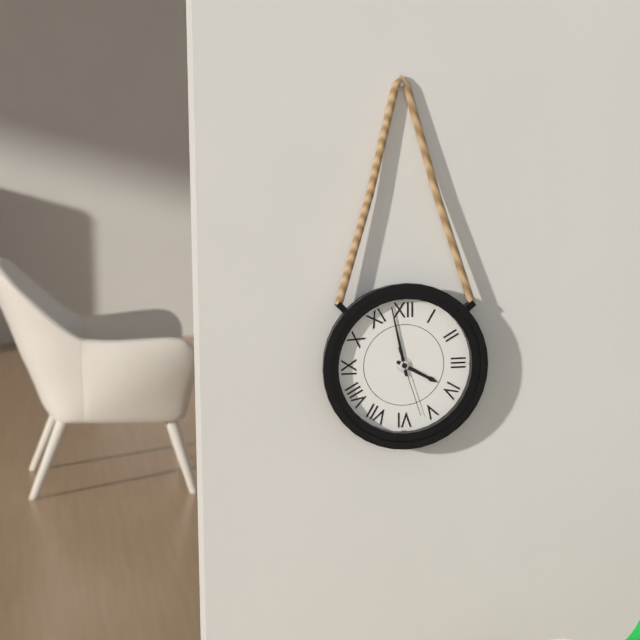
h=3 m=58 s=27
